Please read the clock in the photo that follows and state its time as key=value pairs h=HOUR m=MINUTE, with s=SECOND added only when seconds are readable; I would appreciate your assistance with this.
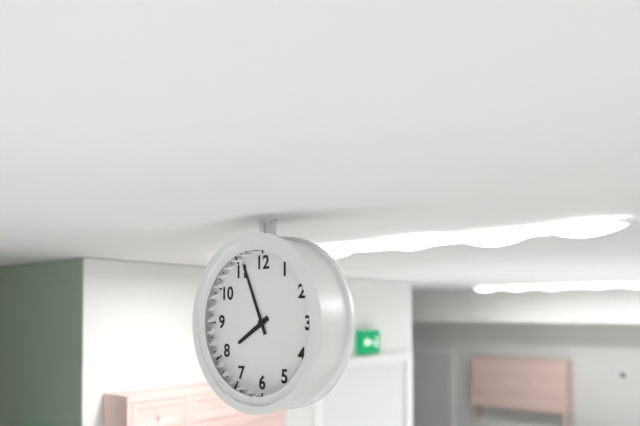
h=7 m=56
